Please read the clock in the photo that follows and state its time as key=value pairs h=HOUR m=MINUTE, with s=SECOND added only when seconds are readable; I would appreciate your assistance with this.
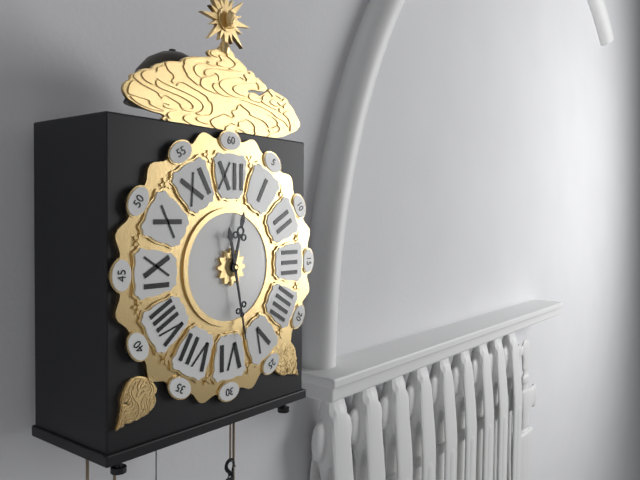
h=12 m=28
